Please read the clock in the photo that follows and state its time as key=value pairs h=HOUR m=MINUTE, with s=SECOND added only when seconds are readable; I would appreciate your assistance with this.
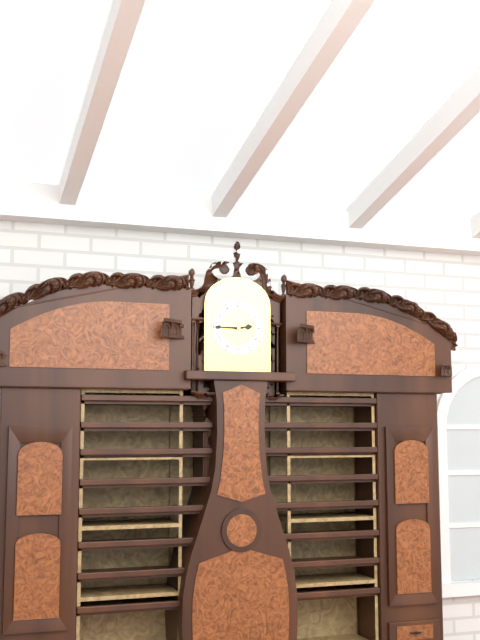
h=2 m=45
